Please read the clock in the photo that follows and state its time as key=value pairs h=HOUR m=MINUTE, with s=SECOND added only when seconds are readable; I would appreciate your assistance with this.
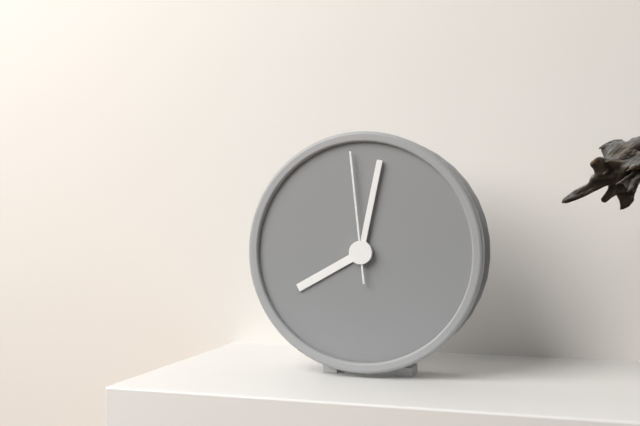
h=8 m=2 s=59
